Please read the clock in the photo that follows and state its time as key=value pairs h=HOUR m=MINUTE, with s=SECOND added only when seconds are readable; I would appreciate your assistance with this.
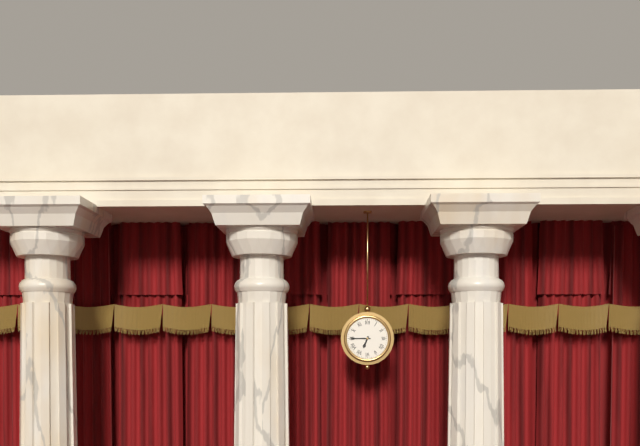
h=6 m=45
